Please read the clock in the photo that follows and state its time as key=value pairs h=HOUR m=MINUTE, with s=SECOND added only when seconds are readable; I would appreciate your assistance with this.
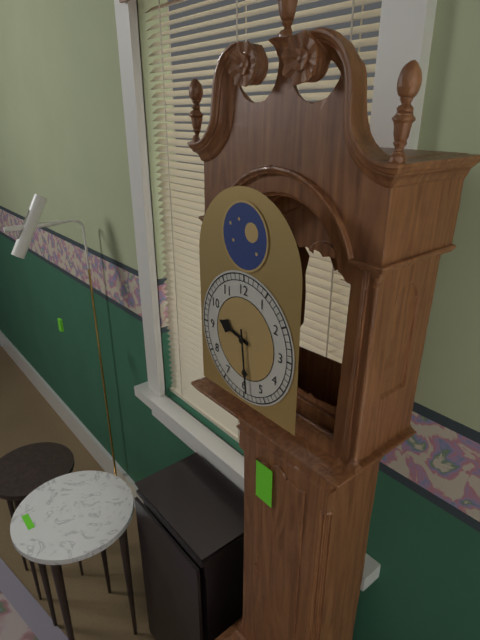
h=9 m=29
